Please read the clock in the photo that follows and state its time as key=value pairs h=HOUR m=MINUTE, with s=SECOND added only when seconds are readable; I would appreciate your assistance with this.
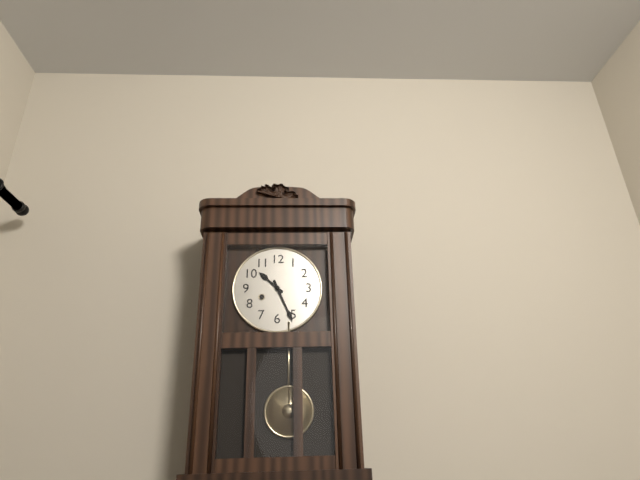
h=10 m=26
